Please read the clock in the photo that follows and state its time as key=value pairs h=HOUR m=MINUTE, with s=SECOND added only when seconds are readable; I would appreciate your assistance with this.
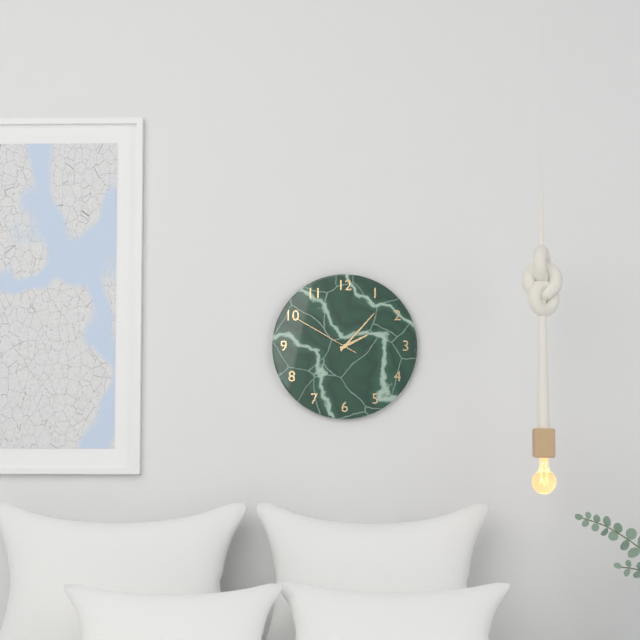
h=2 m=7 s=50
